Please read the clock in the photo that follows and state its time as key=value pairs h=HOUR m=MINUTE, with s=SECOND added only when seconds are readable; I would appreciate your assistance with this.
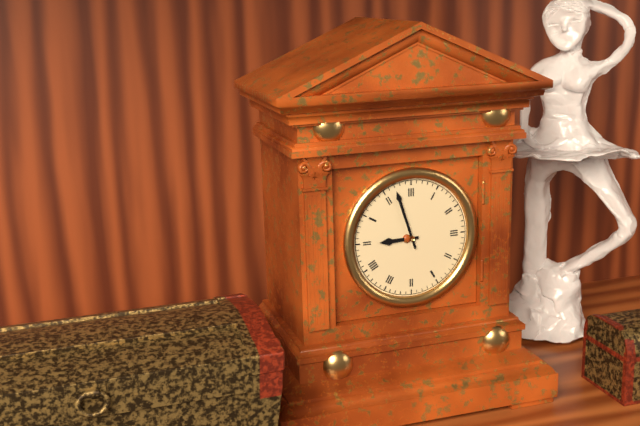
h=8 m=57
